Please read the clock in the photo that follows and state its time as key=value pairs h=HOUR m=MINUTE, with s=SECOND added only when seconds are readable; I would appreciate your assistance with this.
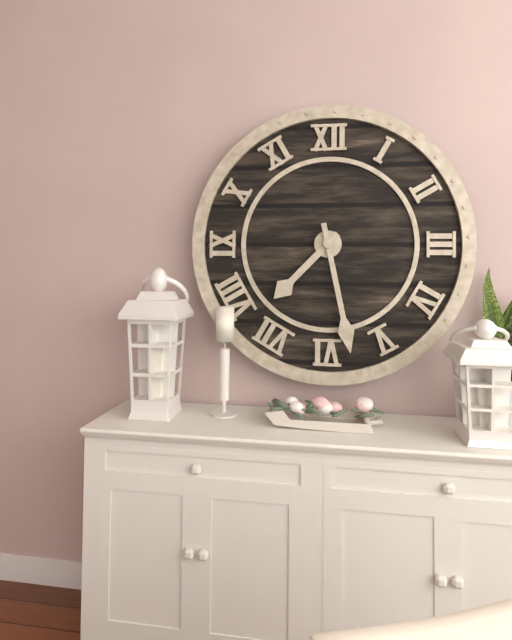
h=7 m=28
